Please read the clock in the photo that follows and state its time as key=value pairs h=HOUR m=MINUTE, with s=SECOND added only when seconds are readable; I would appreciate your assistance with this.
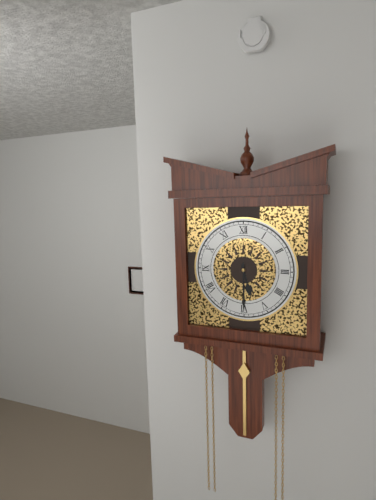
h=5 m=30
